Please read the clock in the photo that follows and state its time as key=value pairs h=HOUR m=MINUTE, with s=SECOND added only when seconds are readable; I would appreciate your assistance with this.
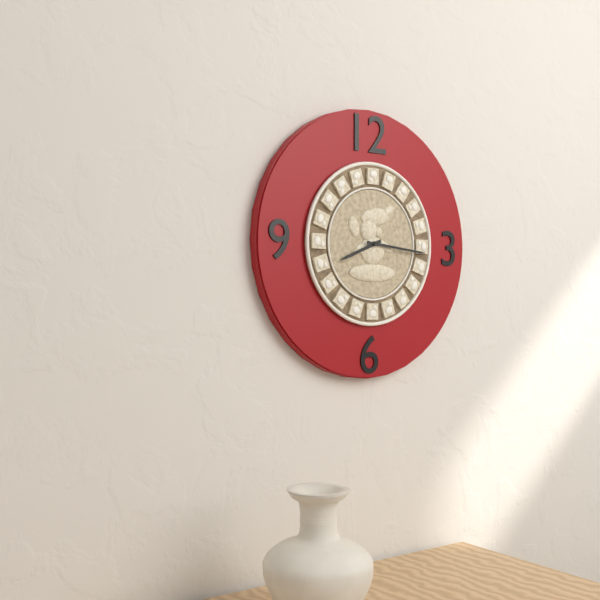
h=8 m=16
